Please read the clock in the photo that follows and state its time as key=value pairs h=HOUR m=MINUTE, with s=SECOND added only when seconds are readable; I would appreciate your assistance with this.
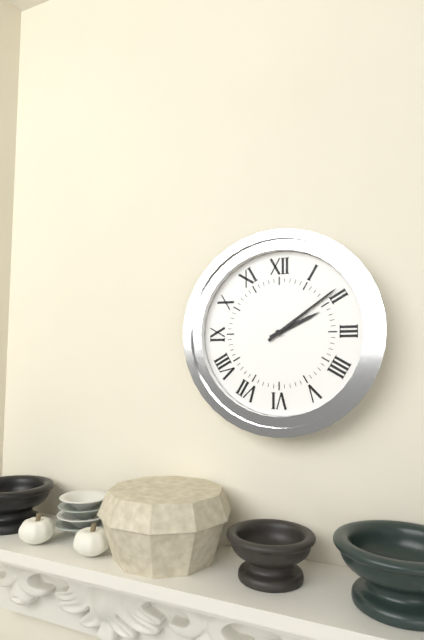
h=2 m=9
